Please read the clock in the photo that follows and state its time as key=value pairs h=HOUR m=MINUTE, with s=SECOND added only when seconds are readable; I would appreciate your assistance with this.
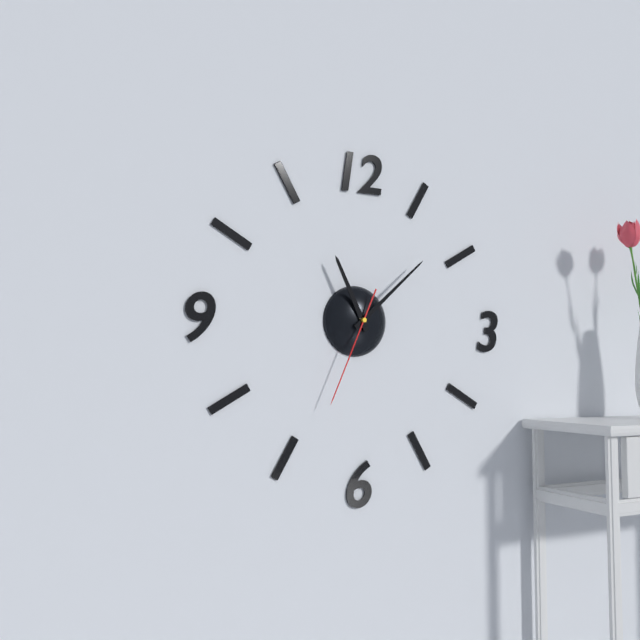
h=11 m=8 s=34
